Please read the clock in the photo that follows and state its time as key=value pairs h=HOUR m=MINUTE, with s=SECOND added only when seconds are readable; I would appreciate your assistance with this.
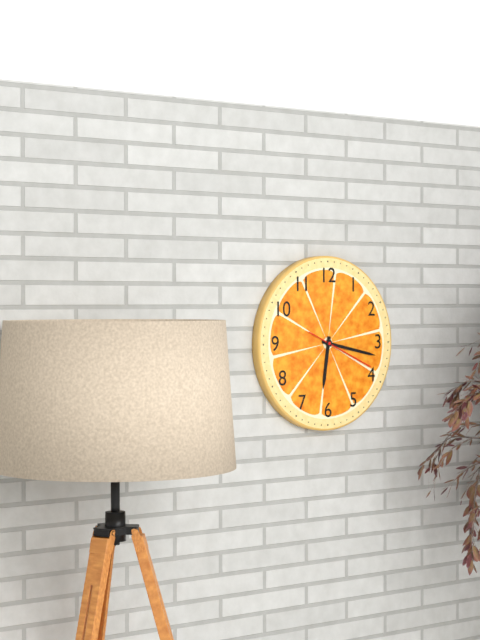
h=6 m=17 s=19
